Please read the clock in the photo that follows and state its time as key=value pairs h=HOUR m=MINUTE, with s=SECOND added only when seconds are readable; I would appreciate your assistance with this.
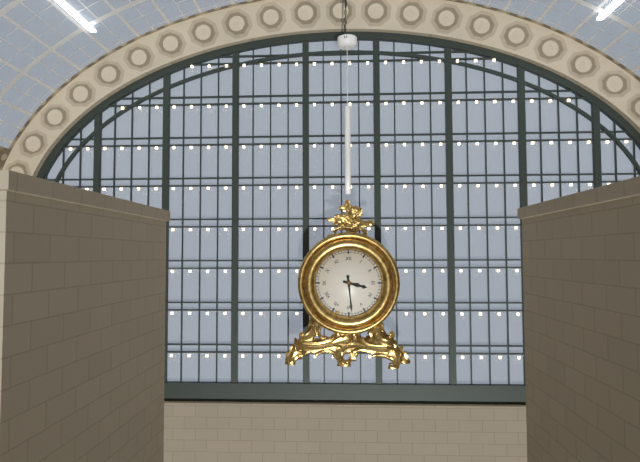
h=3 m=29
